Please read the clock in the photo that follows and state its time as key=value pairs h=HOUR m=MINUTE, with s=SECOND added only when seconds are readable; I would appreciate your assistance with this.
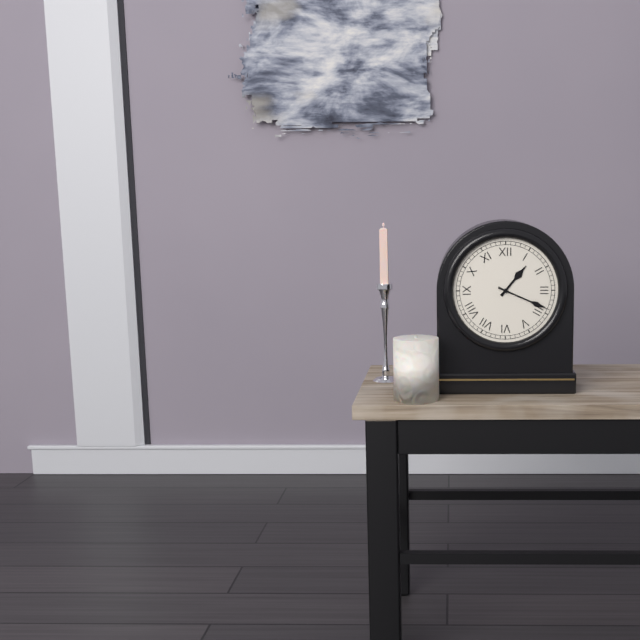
h=1 m=19
